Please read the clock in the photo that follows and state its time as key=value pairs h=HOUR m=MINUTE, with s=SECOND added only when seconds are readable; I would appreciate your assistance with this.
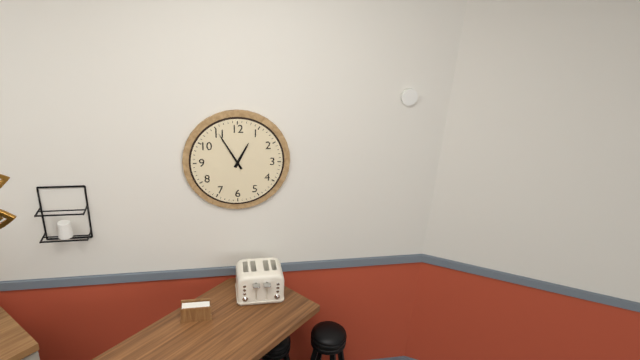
h=12 m=55
